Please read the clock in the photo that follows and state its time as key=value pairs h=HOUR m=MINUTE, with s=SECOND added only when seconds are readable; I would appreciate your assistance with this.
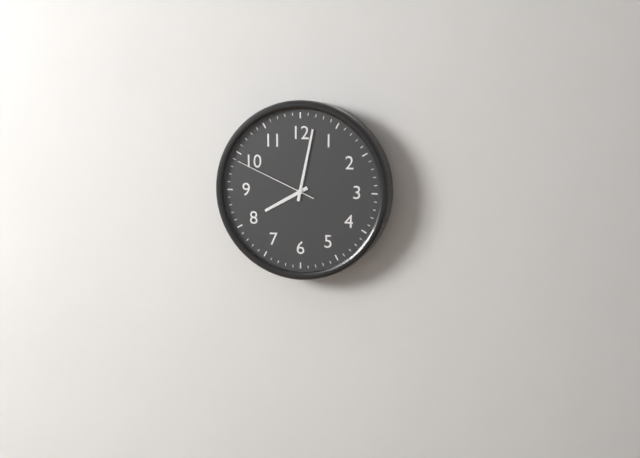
h=8 m=2 s=49
